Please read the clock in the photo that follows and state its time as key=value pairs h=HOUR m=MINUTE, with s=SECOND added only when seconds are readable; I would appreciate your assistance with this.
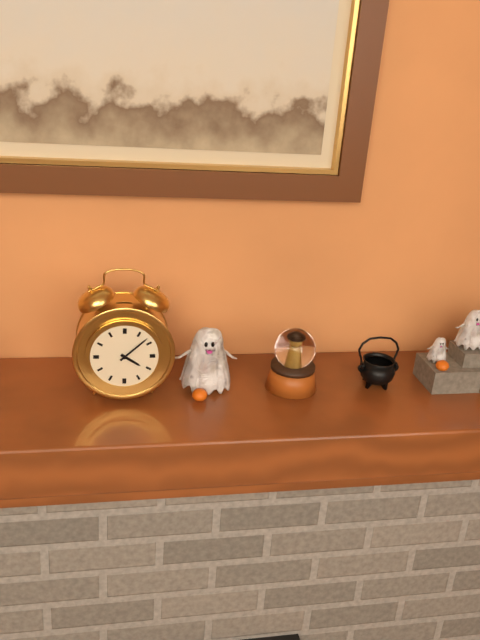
h=4 m=8
